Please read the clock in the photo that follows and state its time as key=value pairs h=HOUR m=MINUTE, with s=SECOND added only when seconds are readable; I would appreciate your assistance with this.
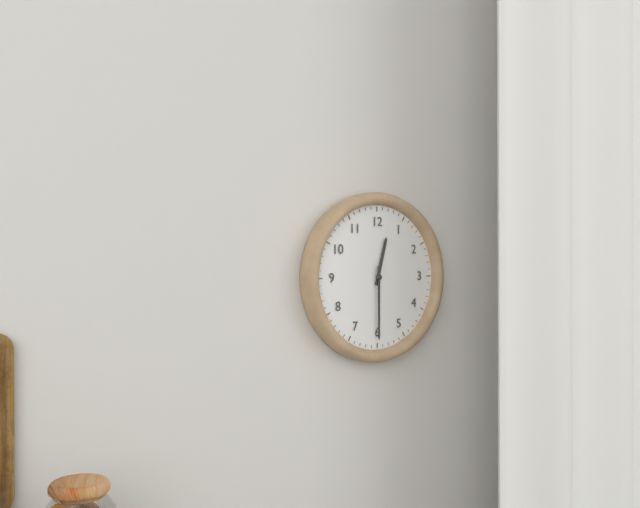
h=12 m=30
